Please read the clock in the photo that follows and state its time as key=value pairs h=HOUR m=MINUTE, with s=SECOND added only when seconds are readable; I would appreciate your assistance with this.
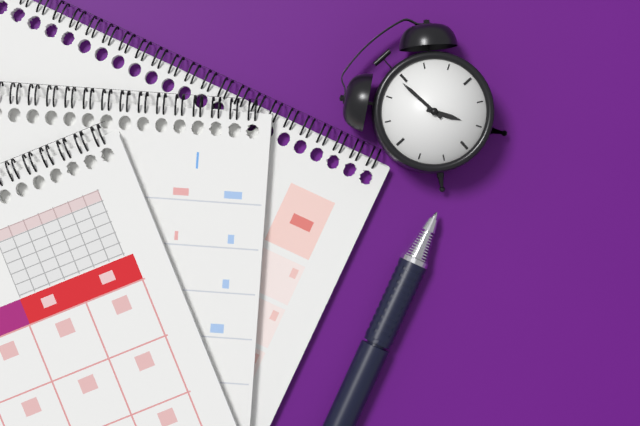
h=4 m=59
